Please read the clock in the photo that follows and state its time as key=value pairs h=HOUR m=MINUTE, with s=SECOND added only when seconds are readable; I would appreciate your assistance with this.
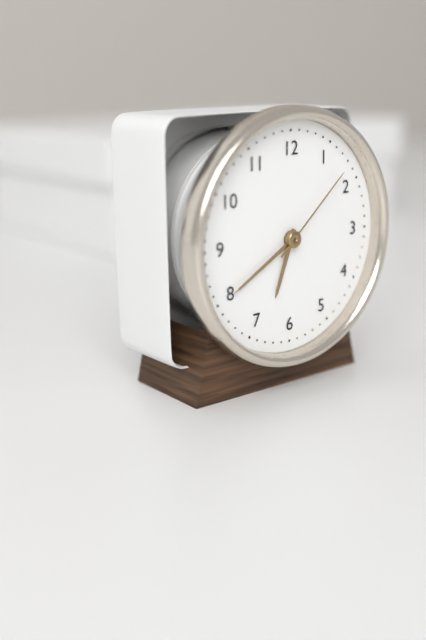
h=6 m=40 s=8
